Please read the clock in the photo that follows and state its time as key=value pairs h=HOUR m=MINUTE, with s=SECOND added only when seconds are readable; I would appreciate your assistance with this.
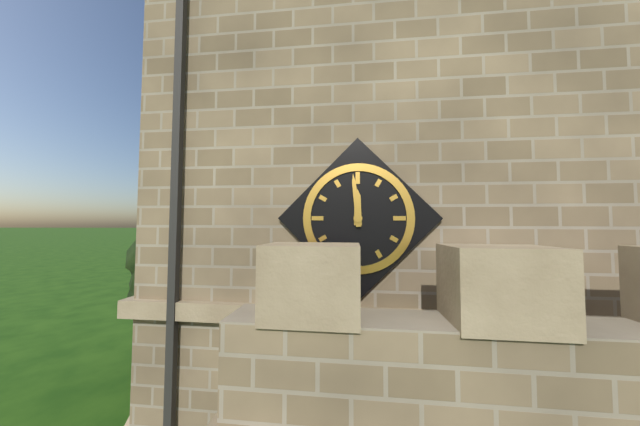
h=11 m=59
